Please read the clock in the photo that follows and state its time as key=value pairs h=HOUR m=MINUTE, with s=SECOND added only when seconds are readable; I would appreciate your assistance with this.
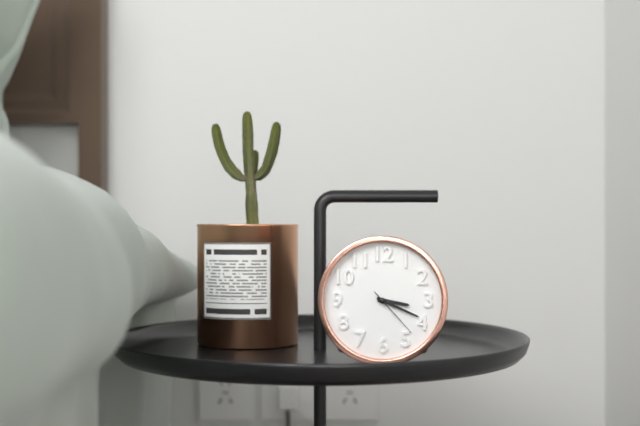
h=3 m=19 s=23
